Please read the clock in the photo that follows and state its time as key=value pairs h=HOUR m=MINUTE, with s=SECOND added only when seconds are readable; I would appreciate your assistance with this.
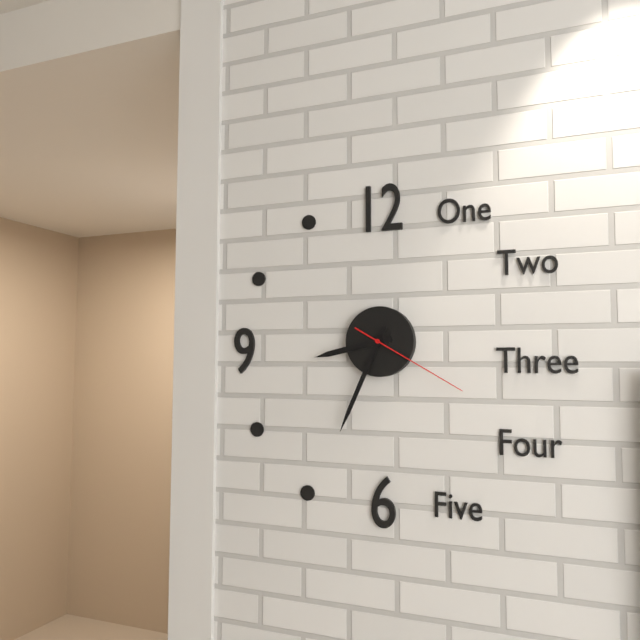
h=8 m=34 s=20
